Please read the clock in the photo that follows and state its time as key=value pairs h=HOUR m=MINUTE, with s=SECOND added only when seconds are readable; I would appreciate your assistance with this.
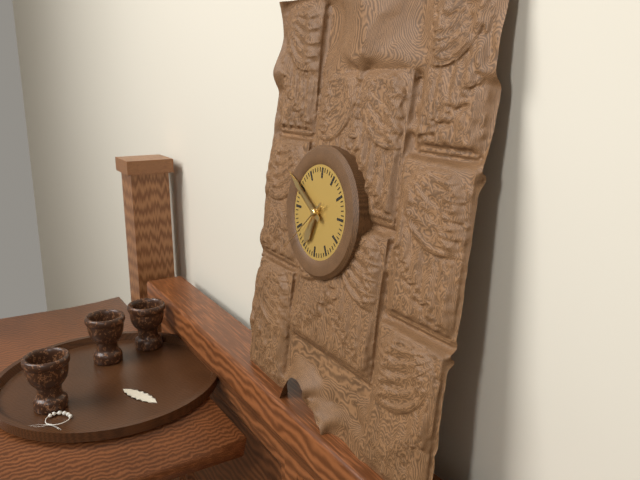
h=6 m=50 s=38
